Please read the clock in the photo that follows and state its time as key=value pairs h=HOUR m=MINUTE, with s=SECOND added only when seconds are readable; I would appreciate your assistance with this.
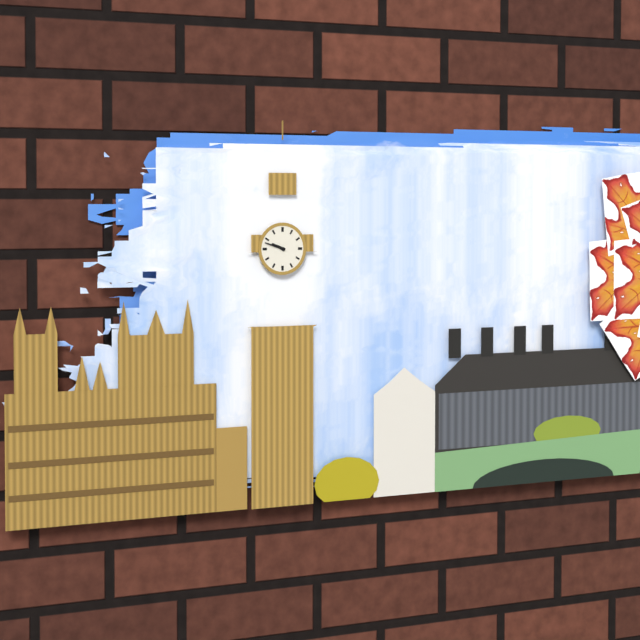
h=9 m=48
